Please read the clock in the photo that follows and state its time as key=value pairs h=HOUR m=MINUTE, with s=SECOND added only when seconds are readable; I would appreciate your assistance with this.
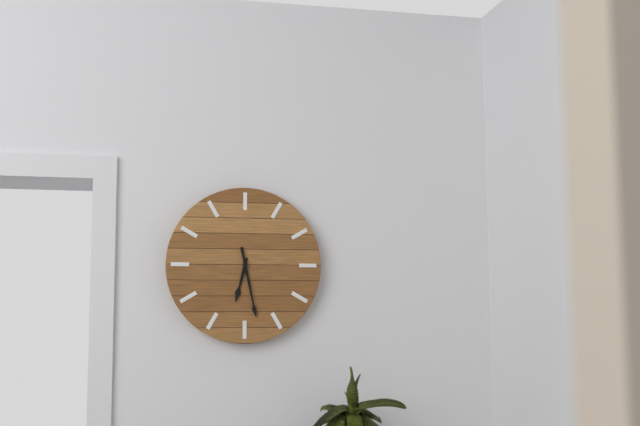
h=6 m=28
